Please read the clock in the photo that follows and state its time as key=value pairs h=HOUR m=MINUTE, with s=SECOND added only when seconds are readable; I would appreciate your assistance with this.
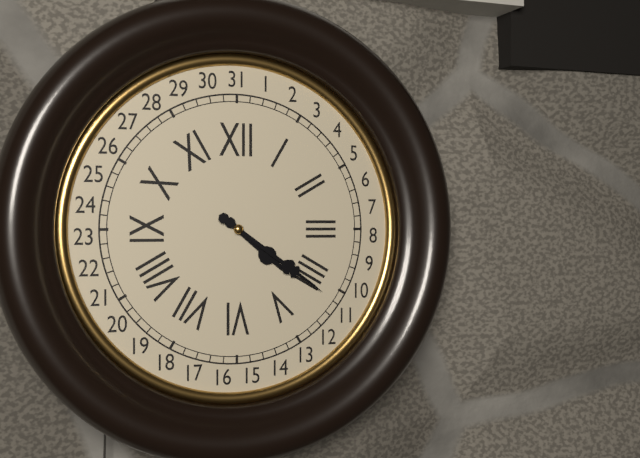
h=4 m=21
